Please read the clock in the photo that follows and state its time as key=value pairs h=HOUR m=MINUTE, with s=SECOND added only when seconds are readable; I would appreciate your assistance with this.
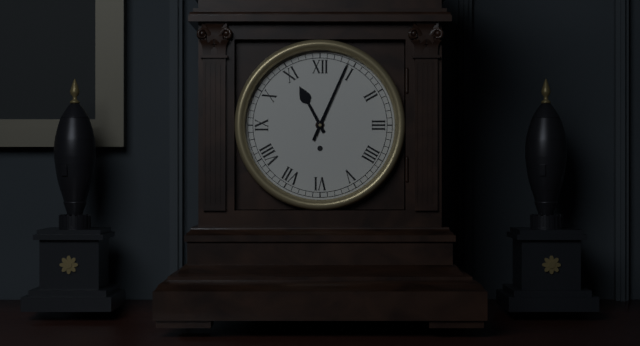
h=11 m=4
